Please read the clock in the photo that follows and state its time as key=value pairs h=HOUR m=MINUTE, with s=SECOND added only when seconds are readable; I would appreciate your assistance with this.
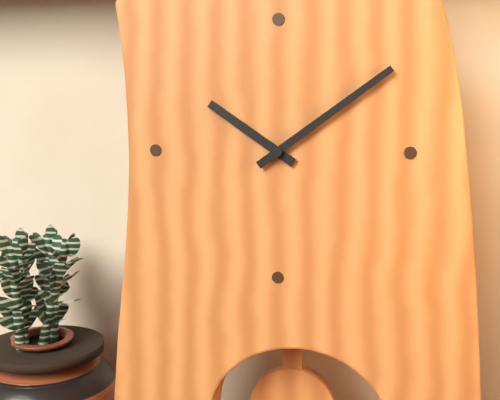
h=10 m=9
